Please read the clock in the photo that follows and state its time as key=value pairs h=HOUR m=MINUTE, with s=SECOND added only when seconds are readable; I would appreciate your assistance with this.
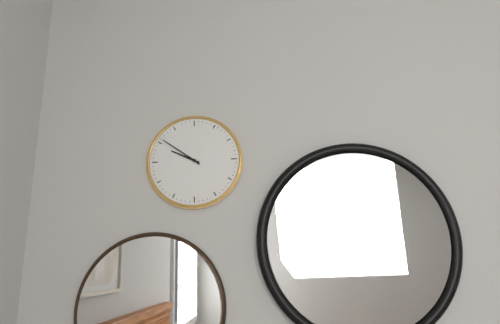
h=9 m=51
